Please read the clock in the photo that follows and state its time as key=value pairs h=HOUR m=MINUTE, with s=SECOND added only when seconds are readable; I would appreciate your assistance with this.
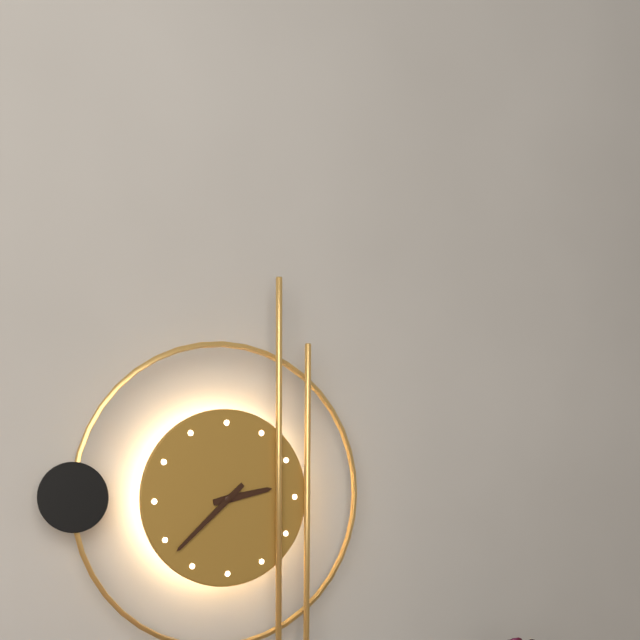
h=2 m=38
